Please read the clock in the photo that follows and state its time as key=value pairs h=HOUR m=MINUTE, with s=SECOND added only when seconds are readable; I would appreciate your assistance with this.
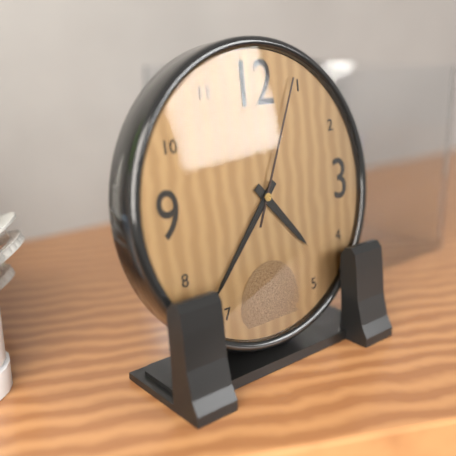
h=4 m=37 s=4
